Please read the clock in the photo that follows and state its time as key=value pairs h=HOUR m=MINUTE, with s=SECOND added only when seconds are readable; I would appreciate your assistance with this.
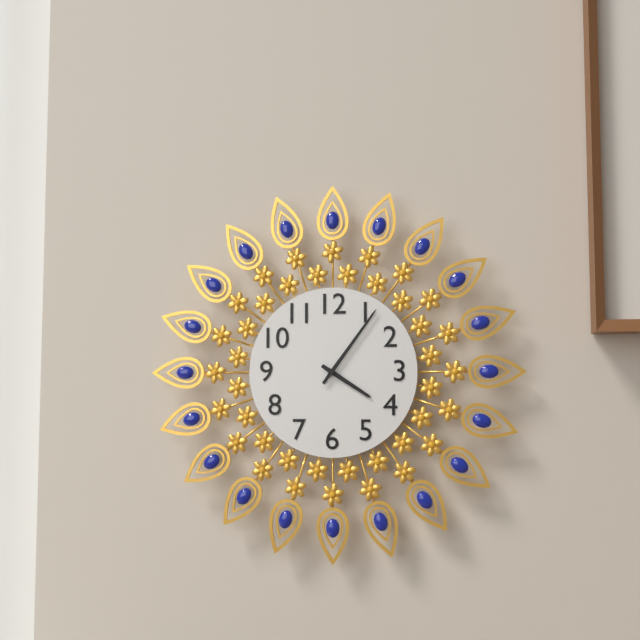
h=4 m=6
